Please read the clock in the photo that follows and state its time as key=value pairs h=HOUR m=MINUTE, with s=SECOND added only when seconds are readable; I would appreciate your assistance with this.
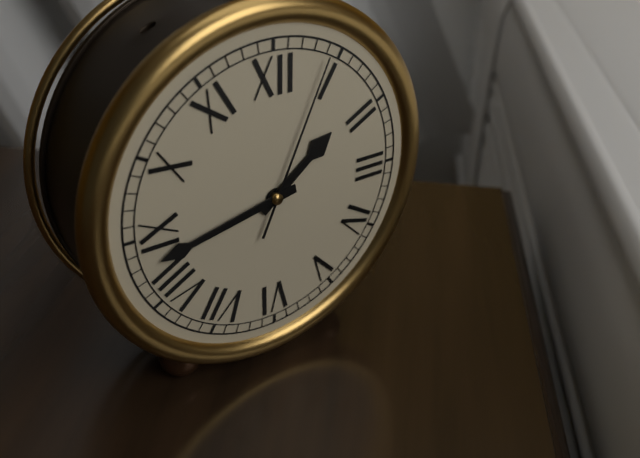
h=1 m=43 s=4
